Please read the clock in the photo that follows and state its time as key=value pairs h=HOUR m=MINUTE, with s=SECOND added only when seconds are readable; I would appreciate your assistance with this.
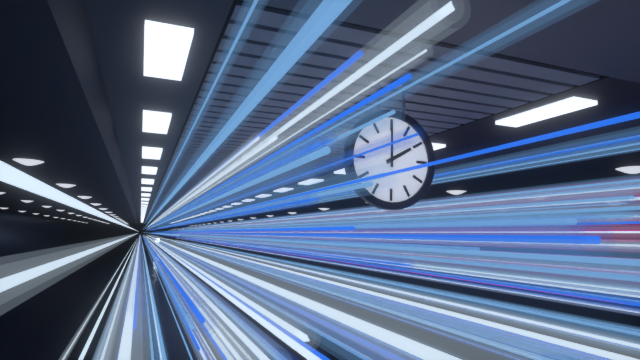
h=2 m=0
